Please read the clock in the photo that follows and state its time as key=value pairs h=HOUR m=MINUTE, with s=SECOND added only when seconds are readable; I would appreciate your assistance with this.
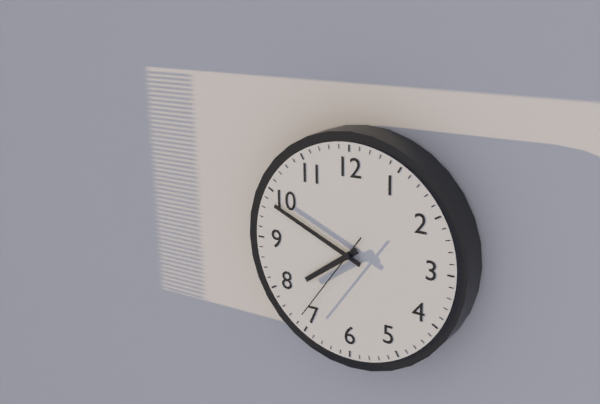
h=7 m=49 s=36
